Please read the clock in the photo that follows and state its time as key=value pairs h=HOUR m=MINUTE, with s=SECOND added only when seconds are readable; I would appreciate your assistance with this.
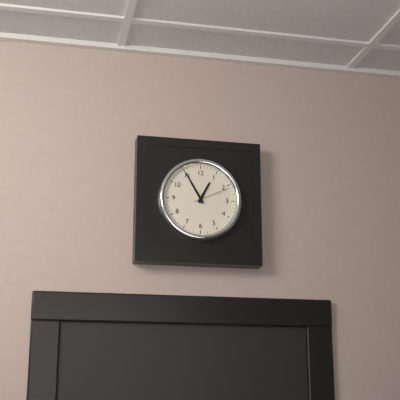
h=12 m=55
